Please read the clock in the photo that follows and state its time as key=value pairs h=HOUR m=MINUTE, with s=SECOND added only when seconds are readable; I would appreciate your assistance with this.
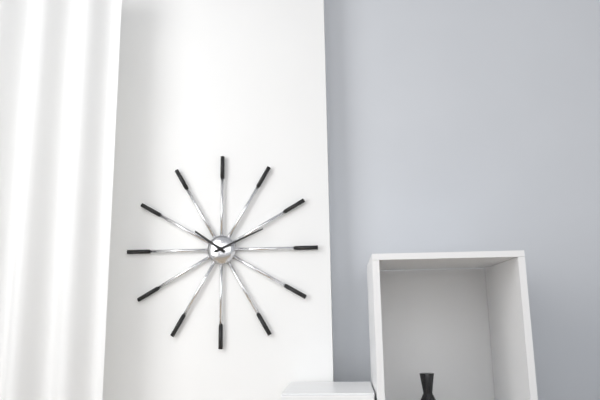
h=10 m=11
